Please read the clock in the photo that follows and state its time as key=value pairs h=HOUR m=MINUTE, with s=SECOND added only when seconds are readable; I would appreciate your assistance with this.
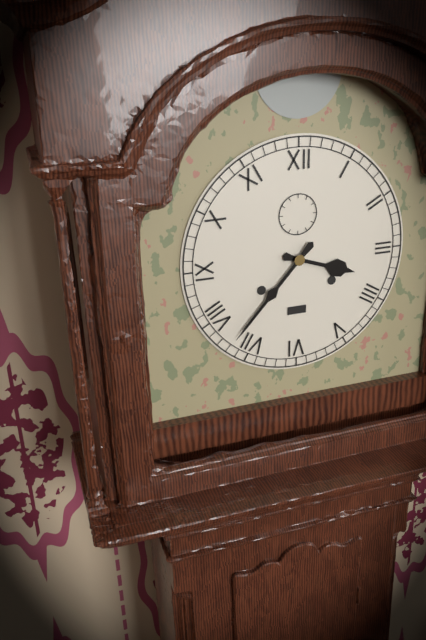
h=3 m=37
